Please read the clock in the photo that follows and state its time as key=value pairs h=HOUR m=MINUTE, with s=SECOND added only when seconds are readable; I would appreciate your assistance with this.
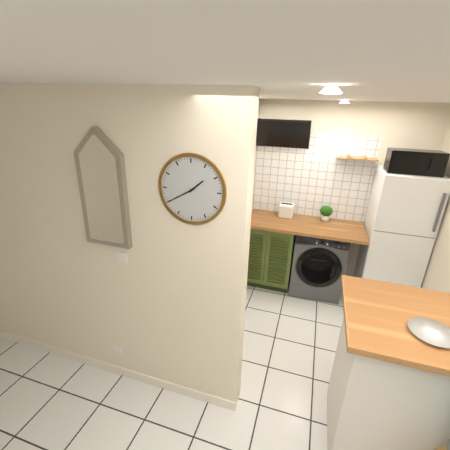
h=1 m=40
